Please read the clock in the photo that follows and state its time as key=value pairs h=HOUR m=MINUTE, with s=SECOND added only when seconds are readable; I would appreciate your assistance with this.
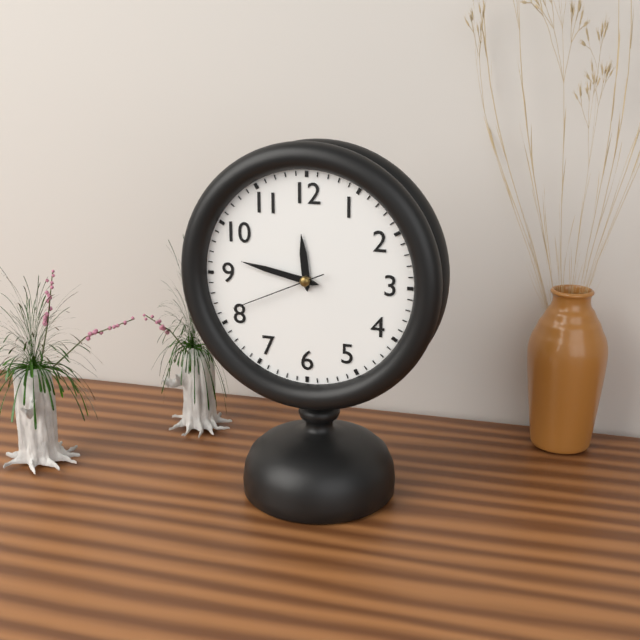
h=11 m=47 s=41
